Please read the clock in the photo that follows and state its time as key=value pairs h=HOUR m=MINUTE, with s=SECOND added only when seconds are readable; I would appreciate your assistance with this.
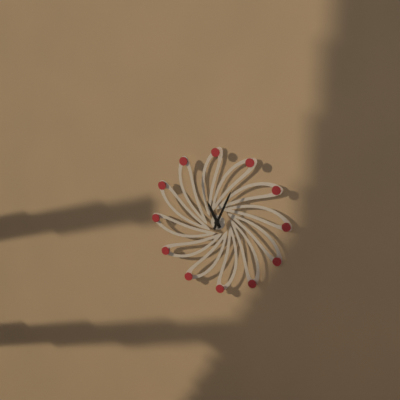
h=11 m=4
